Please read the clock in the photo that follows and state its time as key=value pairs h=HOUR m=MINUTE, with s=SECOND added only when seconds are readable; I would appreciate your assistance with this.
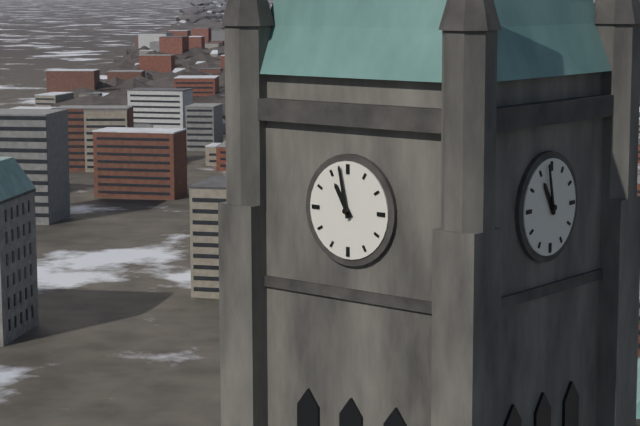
h=10 m=58
